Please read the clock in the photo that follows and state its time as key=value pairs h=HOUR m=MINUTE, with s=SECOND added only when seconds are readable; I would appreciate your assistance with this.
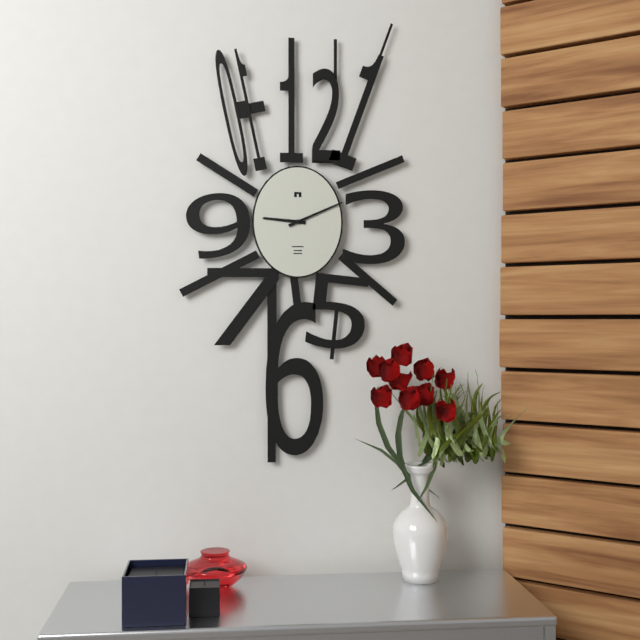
h=9 m=11
